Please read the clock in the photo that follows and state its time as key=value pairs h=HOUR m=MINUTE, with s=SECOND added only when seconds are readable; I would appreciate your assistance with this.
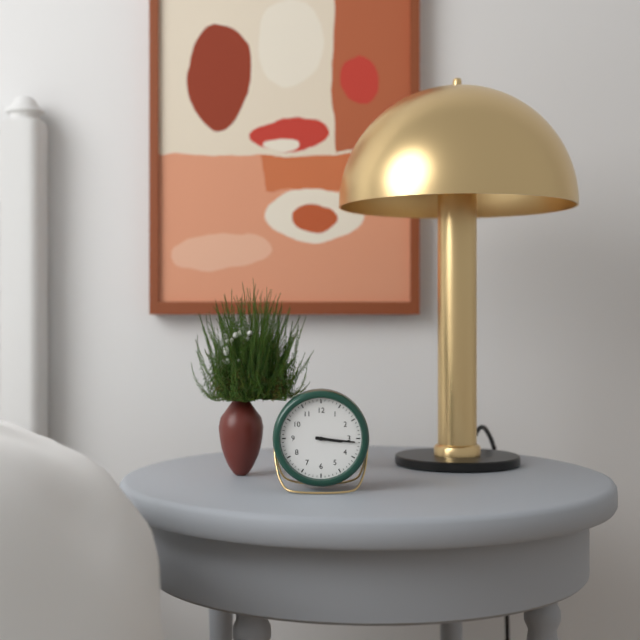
h=3 m=16
